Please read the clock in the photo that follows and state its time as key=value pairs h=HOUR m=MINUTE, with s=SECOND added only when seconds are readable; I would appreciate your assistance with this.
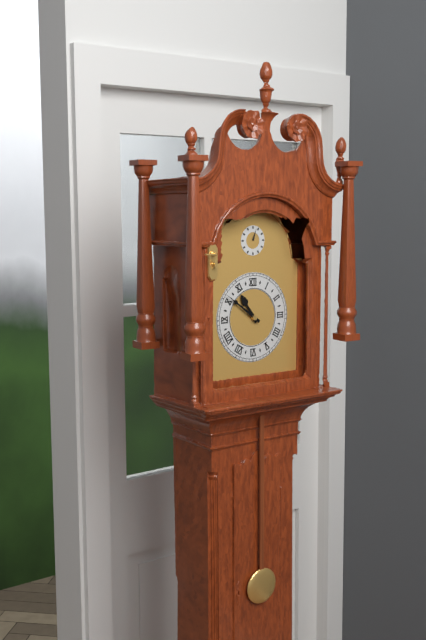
h=10 m=51
